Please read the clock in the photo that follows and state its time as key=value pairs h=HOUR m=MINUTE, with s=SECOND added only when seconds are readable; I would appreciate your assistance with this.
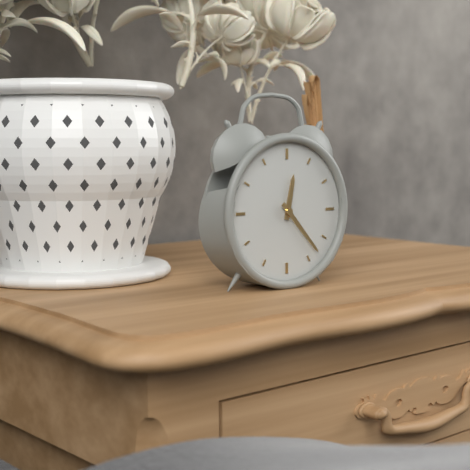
h=12 m=23
